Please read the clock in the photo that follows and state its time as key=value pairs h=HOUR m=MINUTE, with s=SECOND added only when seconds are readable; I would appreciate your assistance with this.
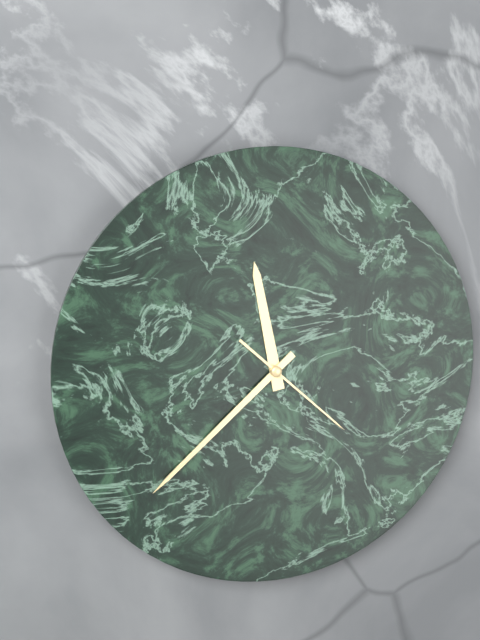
h=11 m=38 s=22
